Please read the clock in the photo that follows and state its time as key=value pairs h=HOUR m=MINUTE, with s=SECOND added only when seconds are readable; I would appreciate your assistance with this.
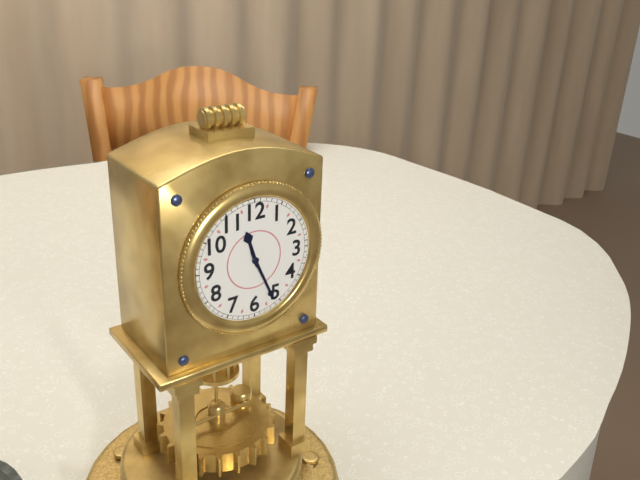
h=11 m=26
